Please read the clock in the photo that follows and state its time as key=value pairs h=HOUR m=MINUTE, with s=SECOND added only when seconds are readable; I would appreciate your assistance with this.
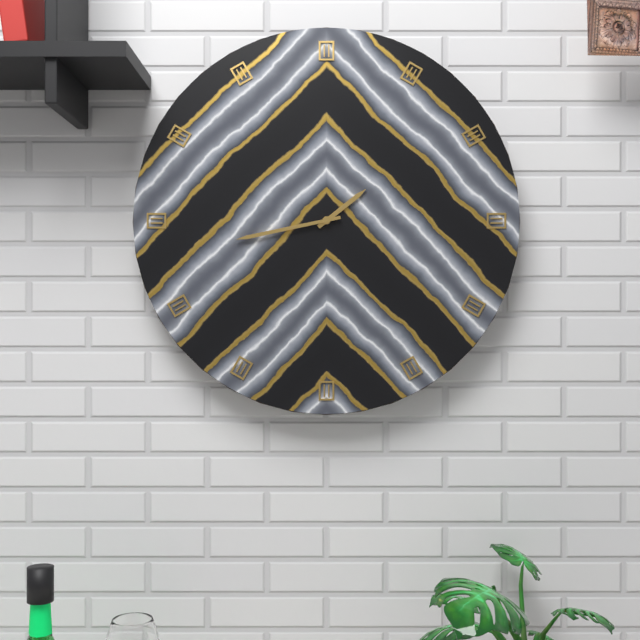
h=1 m=43
